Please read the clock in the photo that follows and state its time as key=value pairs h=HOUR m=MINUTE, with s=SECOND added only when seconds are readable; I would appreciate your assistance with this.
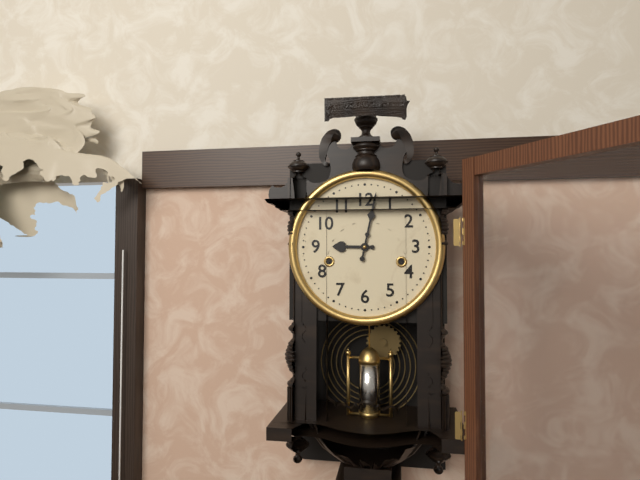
h=9 m=2
